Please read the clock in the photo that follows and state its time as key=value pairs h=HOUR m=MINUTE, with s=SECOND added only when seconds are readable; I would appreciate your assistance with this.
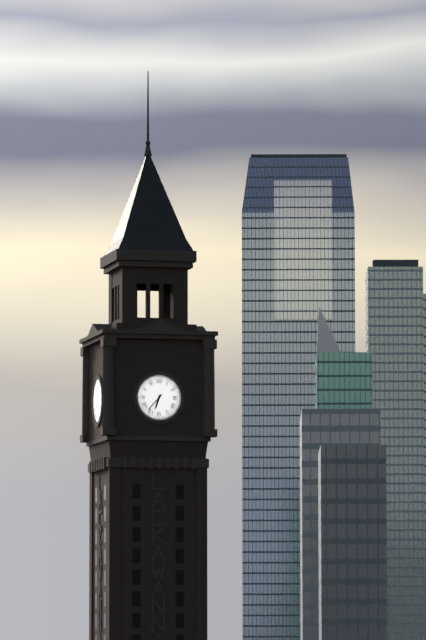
h=6 m=37
